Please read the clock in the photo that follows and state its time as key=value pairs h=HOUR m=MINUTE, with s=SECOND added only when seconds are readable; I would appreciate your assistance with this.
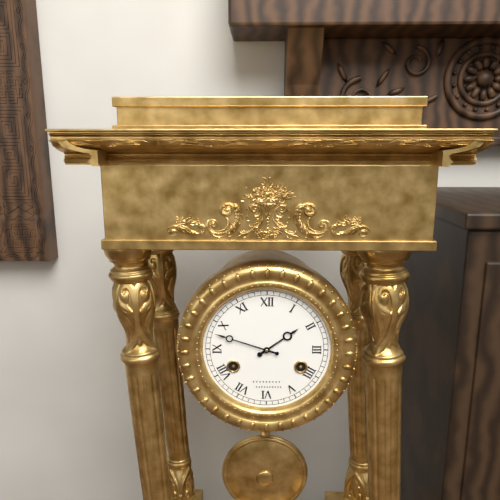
h=1 m=48
